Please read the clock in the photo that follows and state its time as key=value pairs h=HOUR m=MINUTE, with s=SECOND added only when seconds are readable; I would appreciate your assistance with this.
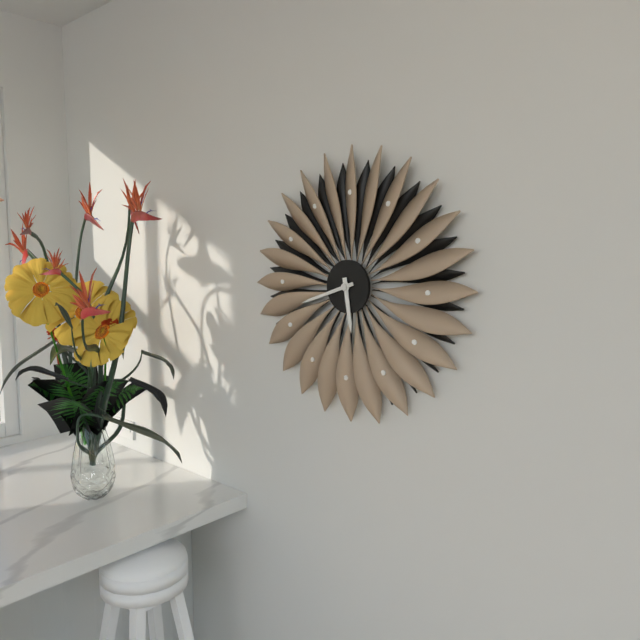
h=5 m=42
